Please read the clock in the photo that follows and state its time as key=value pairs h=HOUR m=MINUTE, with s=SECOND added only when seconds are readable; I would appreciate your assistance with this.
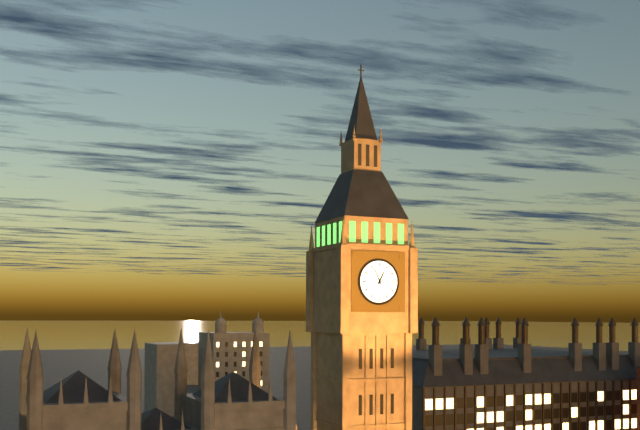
h=12 m=56
